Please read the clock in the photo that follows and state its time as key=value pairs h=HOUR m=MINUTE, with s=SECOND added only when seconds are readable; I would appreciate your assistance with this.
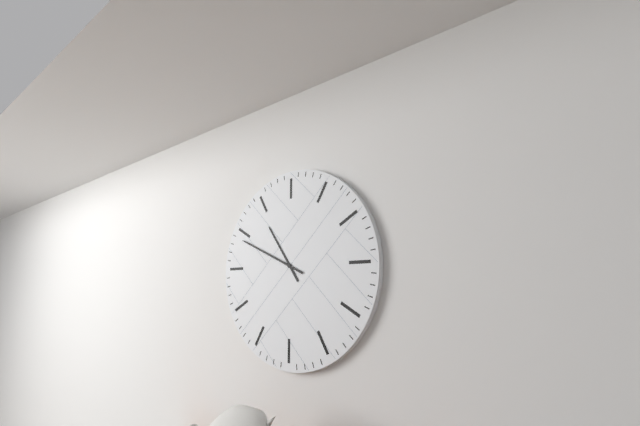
h=10 m=49
